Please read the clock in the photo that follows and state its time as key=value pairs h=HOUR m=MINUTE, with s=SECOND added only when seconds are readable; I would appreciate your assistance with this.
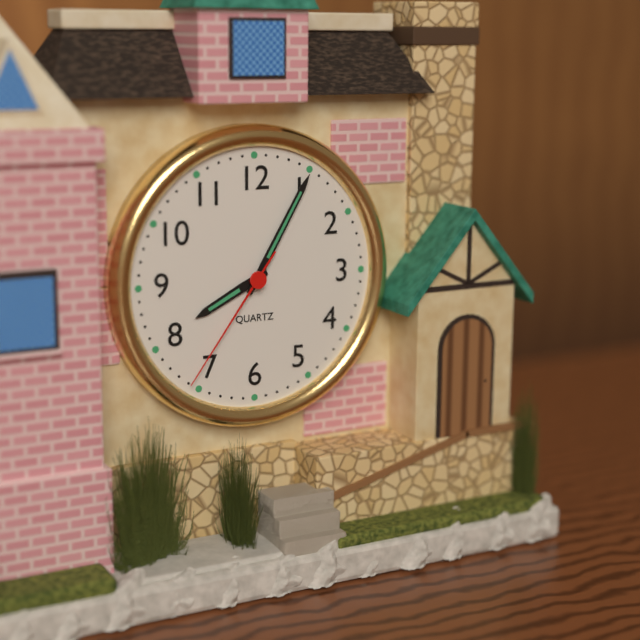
h=8 m=5 s=36
